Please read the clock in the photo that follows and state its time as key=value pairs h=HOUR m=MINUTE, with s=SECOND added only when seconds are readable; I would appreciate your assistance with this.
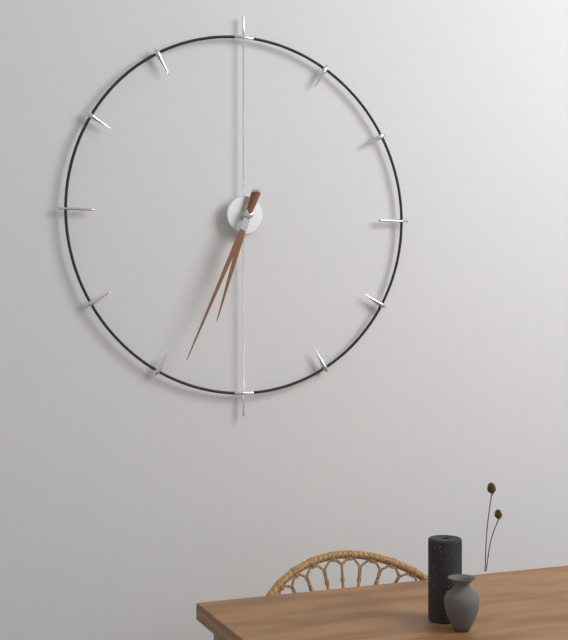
h=6 m=34
